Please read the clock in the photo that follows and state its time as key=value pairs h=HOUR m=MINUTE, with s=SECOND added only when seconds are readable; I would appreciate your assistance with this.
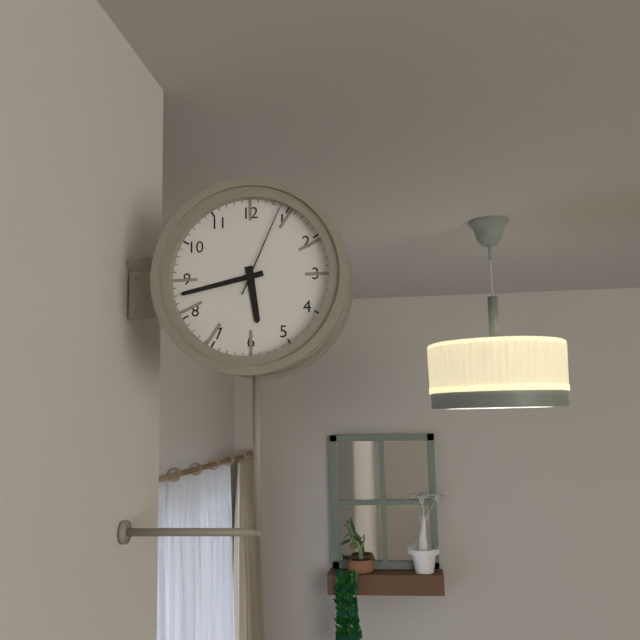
h=5 m=43 s=4
